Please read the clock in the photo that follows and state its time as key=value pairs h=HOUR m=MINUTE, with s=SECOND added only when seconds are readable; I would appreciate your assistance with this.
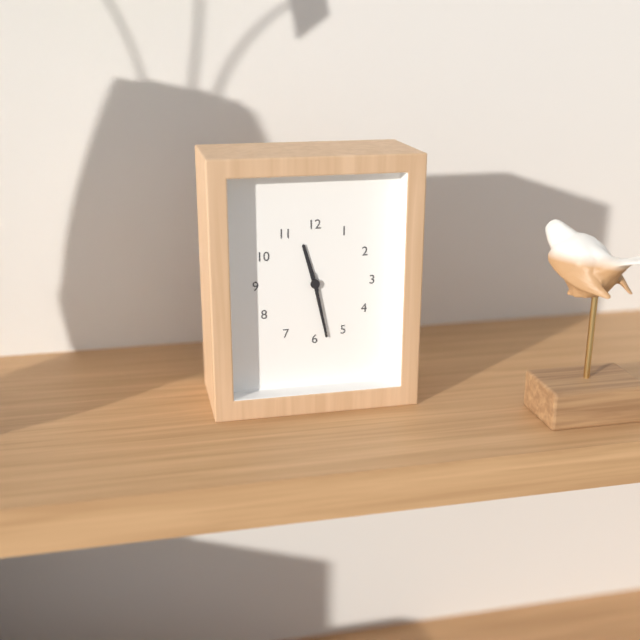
h=11 m=28
